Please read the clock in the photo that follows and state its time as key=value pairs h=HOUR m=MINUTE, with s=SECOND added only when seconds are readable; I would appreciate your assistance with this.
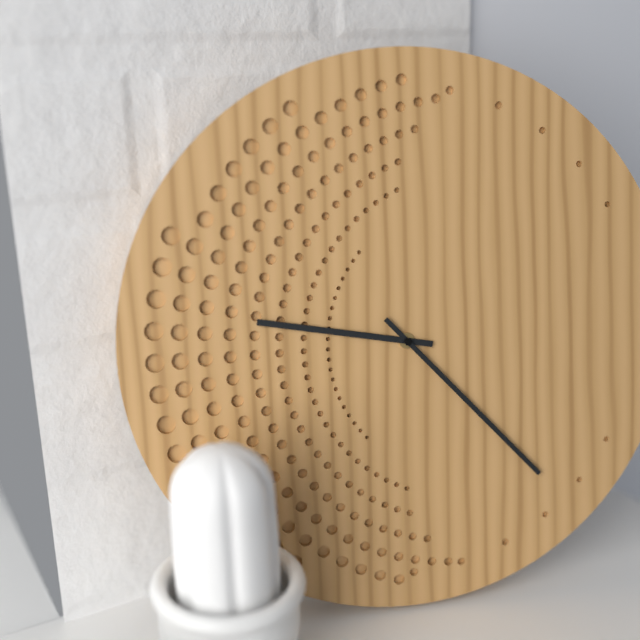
h=9 m=23
